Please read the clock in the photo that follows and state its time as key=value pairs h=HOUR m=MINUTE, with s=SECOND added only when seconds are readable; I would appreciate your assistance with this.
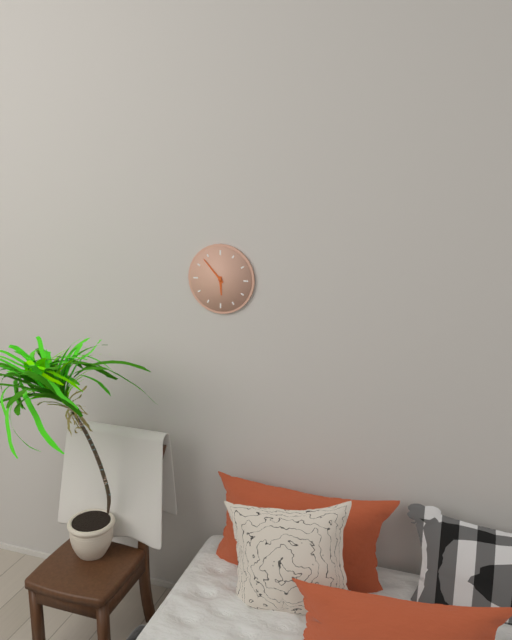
h=5 m=53
